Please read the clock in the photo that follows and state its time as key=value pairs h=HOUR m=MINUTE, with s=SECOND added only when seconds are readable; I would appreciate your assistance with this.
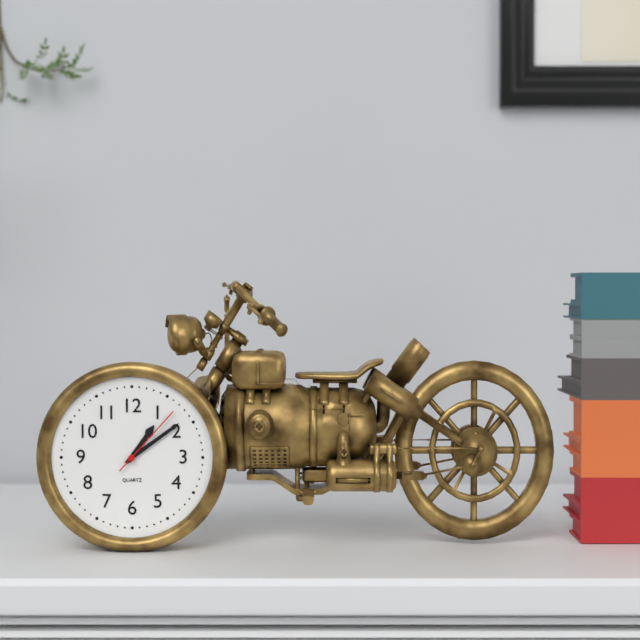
h=1 m=9 s=7
